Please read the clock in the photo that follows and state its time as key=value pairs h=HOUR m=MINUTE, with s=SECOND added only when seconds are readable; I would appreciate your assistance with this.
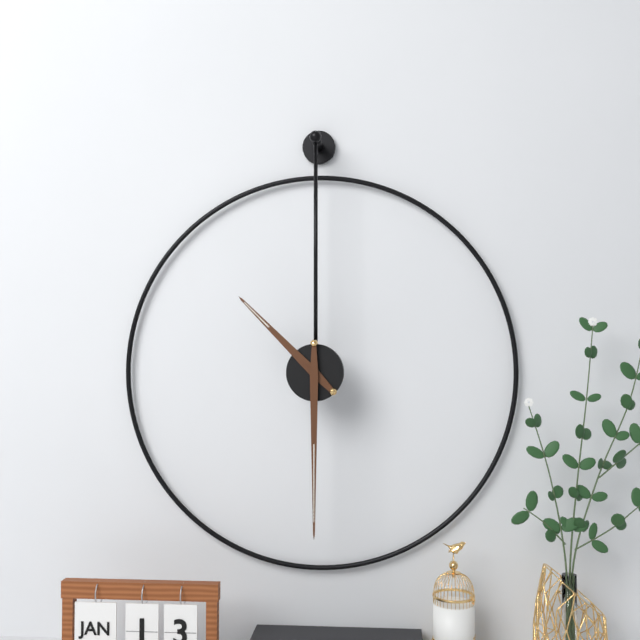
h=10 m=30
